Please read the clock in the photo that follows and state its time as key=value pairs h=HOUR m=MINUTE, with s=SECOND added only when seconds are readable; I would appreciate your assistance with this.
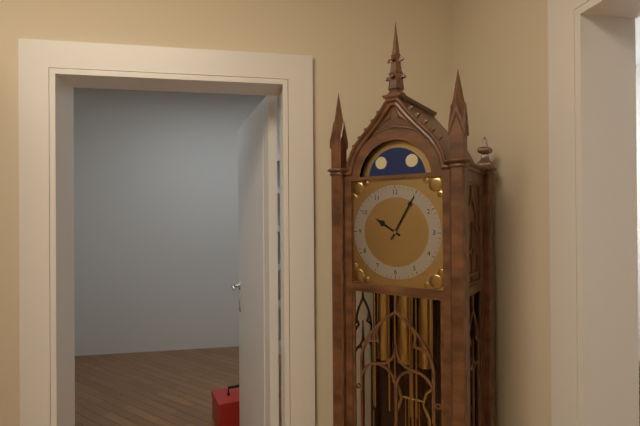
h=10 m=5
